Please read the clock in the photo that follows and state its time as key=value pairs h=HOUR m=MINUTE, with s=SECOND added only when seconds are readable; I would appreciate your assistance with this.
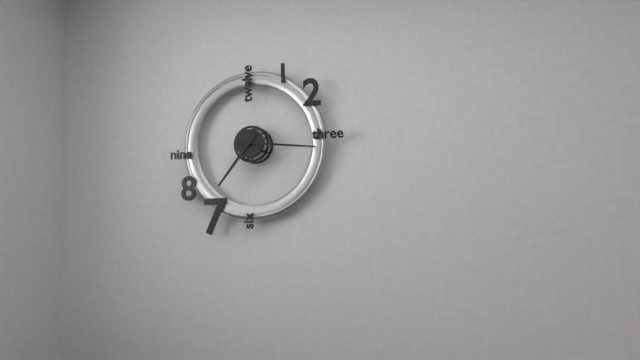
h=7 m=16
